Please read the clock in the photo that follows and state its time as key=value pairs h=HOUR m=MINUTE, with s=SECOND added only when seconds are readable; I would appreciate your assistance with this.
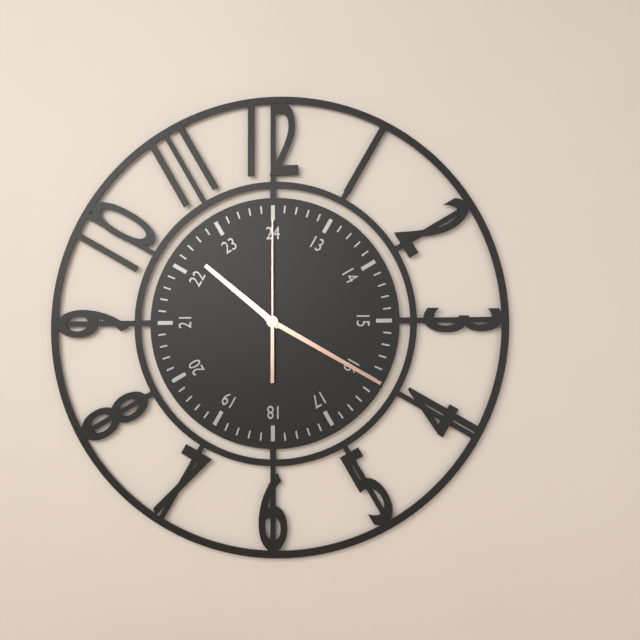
h=10 m=20 s=0
